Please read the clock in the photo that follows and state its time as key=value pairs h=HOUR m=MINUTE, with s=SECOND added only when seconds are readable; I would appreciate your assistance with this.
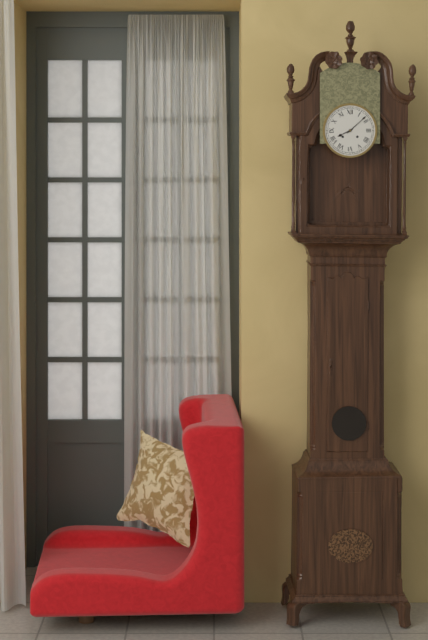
h=8 m=8
